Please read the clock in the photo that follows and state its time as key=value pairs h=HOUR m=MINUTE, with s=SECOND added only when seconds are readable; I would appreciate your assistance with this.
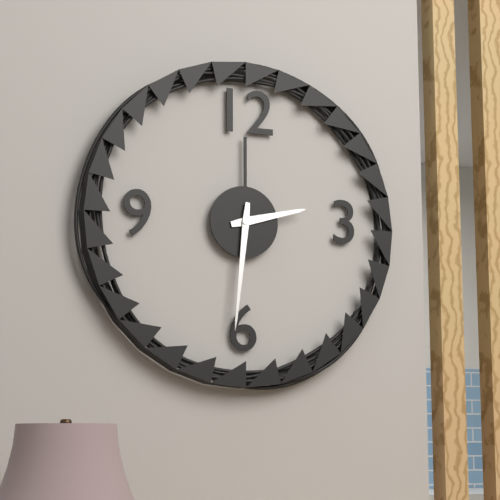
h=2 m=31
